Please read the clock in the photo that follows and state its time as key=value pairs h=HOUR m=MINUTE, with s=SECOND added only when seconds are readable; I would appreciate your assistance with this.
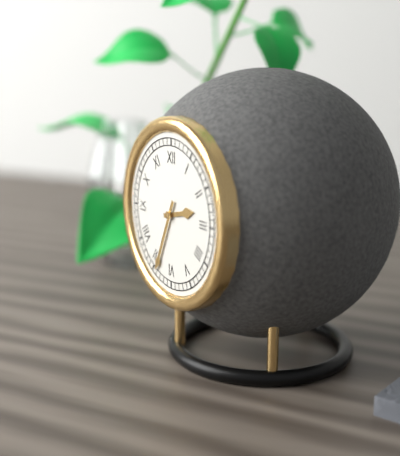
h=2 m=34
